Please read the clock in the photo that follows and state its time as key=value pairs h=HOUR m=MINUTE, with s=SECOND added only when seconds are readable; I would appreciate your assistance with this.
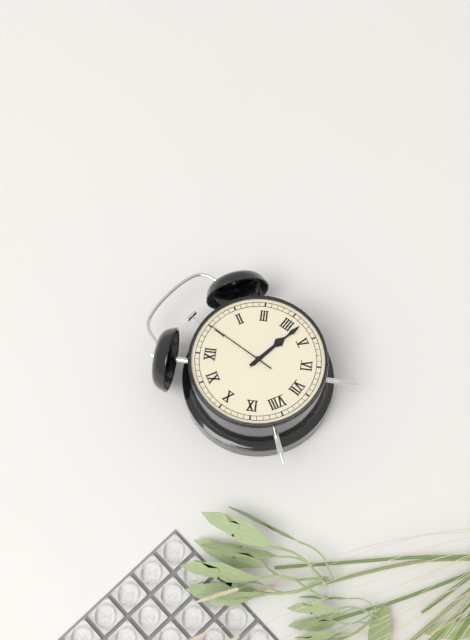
h=4 m=22 s=5
